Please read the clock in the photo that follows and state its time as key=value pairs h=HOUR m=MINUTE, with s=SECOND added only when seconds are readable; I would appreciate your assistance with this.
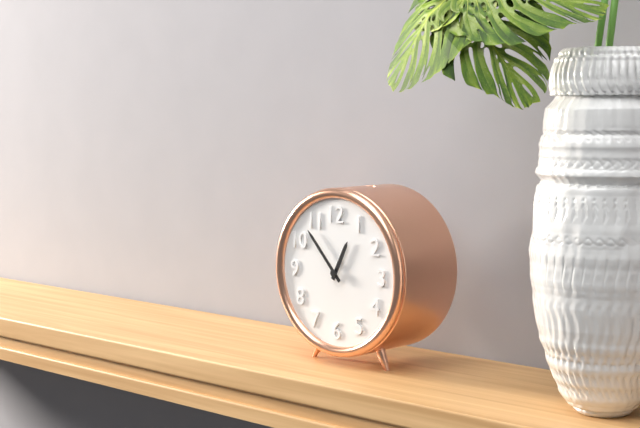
h=12 m=53
